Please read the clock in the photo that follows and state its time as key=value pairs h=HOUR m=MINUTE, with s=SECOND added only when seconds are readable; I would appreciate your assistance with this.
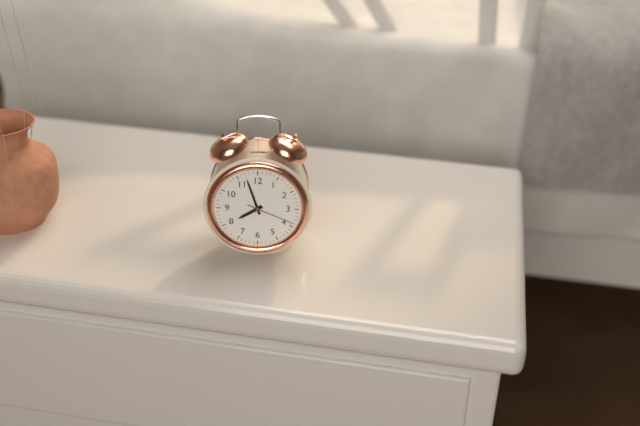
h=7 m=57
